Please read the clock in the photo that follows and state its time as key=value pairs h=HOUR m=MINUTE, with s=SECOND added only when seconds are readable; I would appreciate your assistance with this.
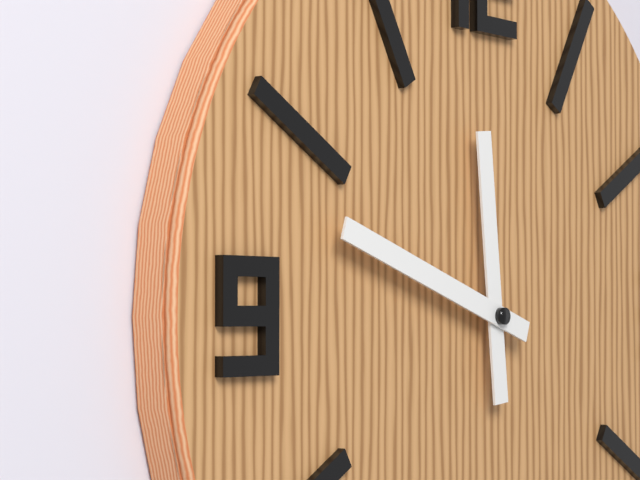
h=11 m=48
